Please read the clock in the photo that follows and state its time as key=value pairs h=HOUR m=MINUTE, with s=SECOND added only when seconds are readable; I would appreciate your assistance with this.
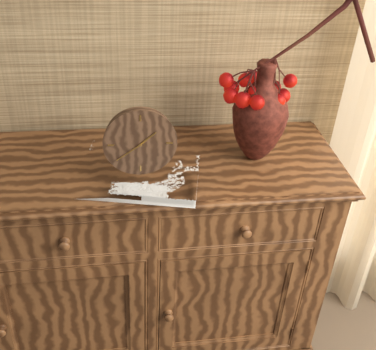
h=1 m=39
